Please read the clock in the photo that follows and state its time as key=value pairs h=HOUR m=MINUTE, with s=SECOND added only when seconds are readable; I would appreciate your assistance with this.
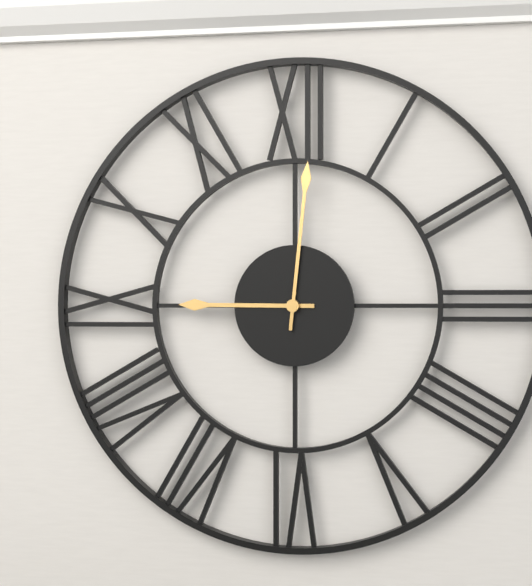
h=9 m=1
